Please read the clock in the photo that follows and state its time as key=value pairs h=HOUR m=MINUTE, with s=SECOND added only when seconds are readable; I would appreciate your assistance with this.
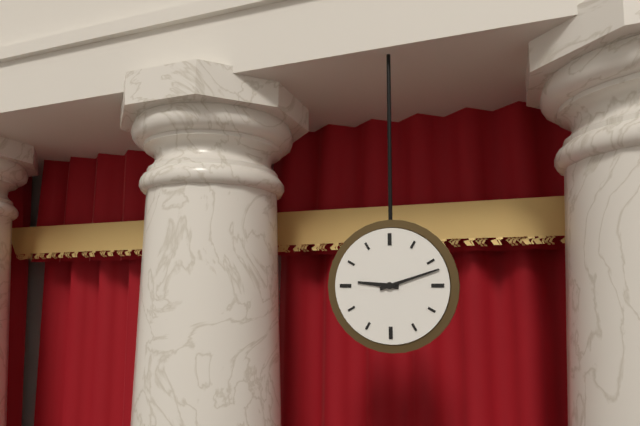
h=9 m=12
